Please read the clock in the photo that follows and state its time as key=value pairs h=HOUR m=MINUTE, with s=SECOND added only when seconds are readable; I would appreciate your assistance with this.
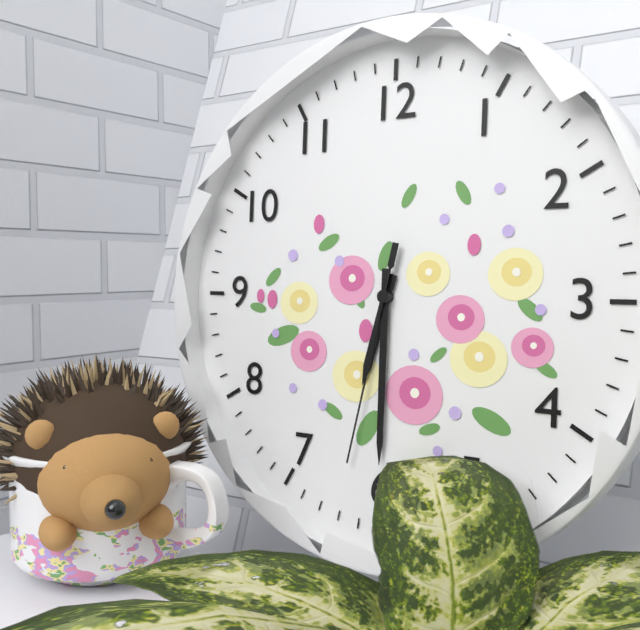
h=6 m=30 s=32
